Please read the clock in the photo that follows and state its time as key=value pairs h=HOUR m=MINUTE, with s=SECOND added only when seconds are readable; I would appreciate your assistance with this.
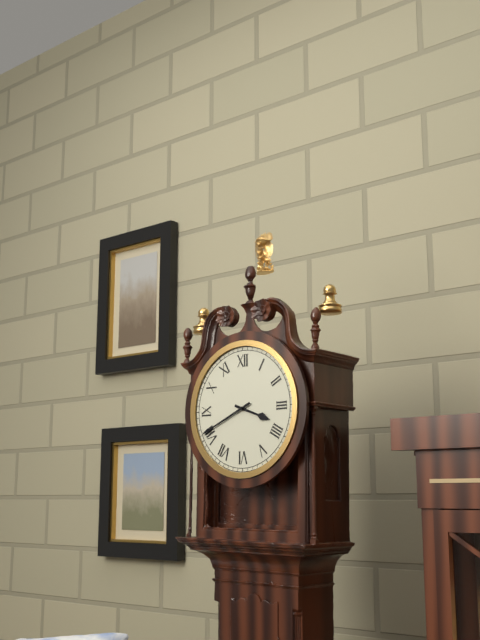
h=3 m=41
